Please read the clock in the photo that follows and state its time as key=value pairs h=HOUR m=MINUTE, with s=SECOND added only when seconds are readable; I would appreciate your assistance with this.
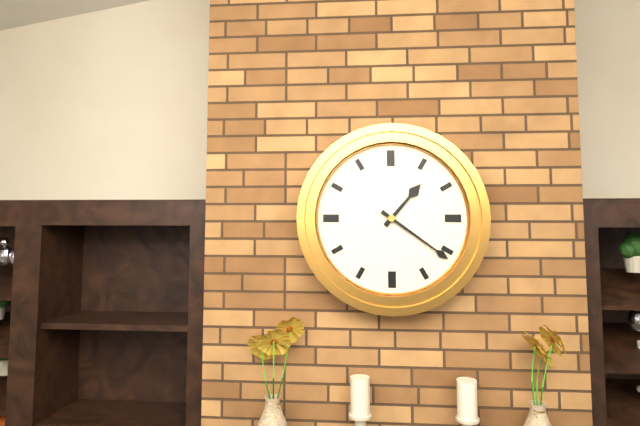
h=1 m=21
